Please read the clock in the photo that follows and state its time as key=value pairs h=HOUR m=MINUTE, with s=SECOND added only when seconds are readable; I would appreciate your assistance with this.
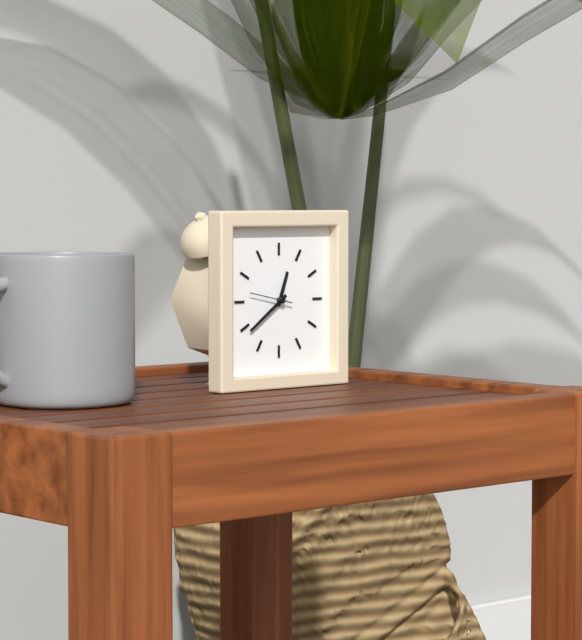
h=12 m=39
